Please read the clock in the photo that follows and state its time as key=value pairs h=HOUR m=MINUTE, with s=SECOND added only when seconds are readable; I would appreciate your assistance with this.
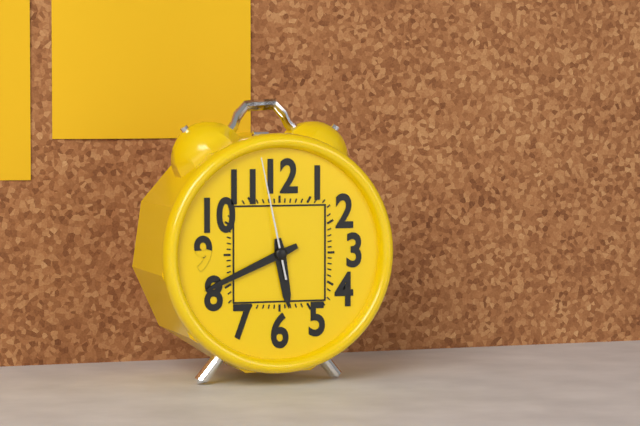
h=5 m=41 s=58
